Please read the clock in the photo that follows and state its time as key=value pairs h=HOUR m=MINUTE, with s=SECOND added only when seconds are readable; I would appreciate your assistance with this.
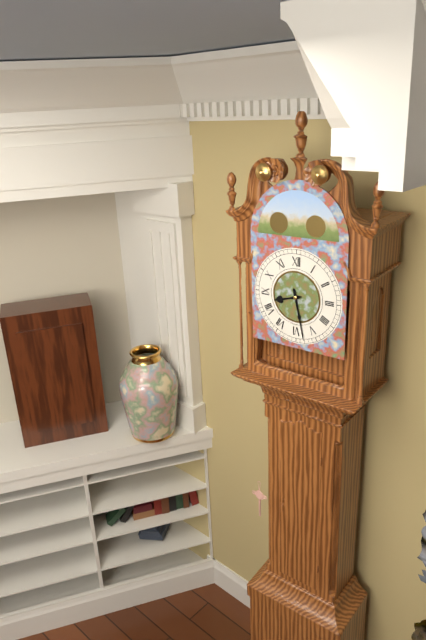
h=8 m=28
